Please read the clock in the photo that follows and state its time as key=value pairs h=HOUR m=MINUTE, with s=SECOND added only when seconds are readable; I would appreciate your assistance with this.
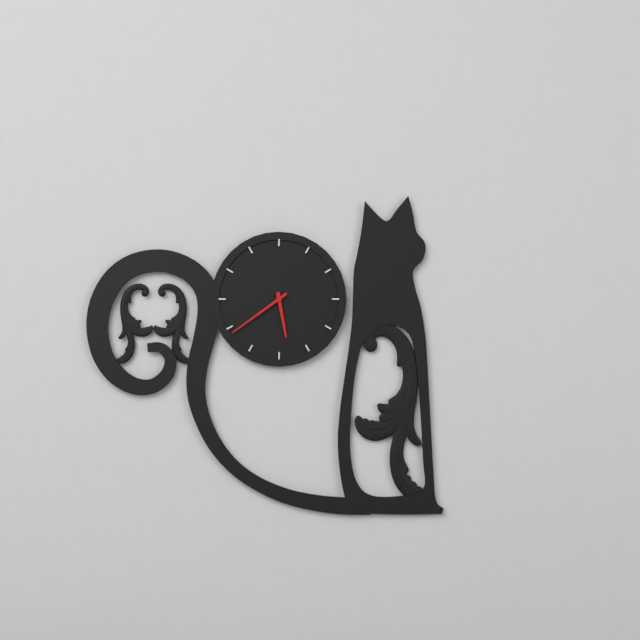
h=5 m=39
